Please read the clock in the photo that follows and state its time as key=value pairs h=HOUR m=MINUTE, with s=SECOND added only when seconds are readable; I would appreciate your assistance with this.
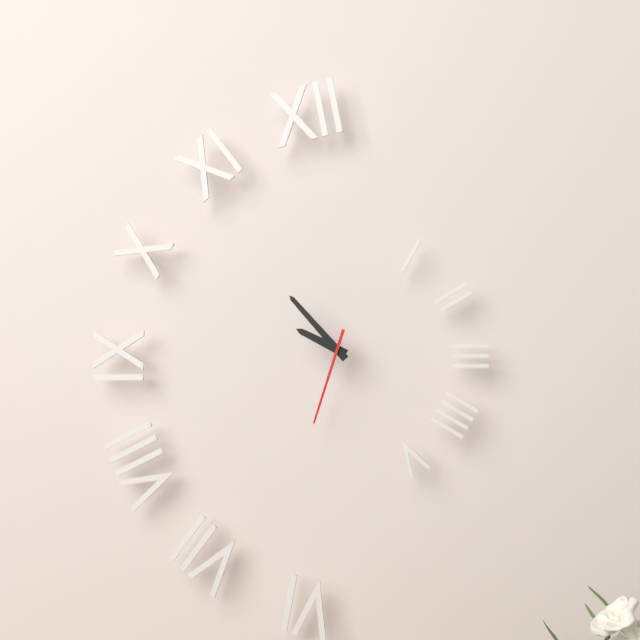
h=9 m=53 s=33
